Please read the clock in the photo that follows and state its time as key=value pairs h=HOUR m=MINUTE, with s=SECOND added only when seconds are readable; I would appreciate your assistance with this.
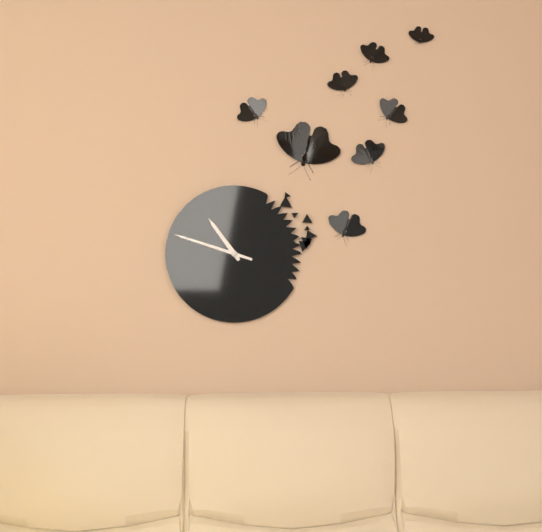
h=10 m=48
